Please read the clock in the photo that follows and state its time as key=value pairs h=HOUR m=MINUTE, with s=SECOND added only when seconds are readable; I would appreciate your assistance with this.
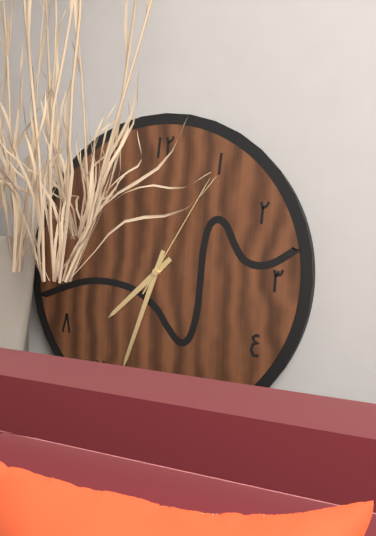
h=7 m=33 s=5
